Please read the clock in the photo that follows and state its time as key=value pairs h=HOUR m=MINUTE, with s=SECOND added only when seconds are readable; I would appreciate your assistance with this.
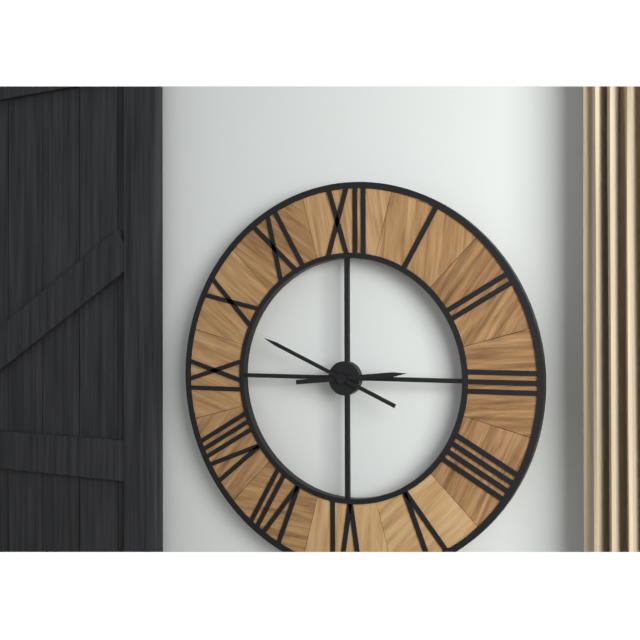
h=2 m=49
